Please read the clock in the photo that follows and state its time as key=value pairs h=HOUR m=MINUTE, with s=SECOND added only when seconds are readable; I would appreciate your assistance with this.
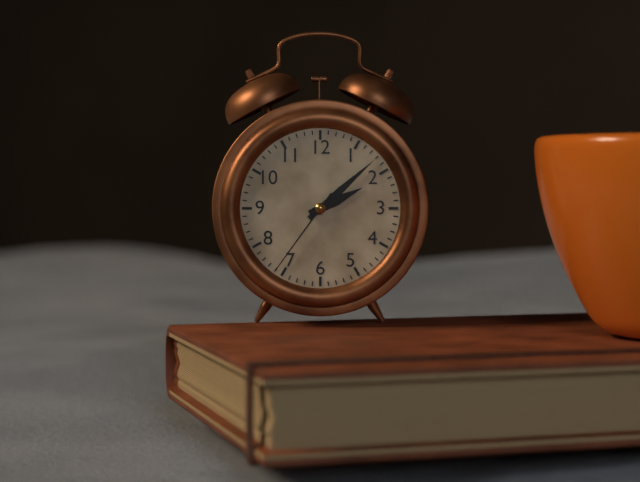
h=2 m=8 s=36
